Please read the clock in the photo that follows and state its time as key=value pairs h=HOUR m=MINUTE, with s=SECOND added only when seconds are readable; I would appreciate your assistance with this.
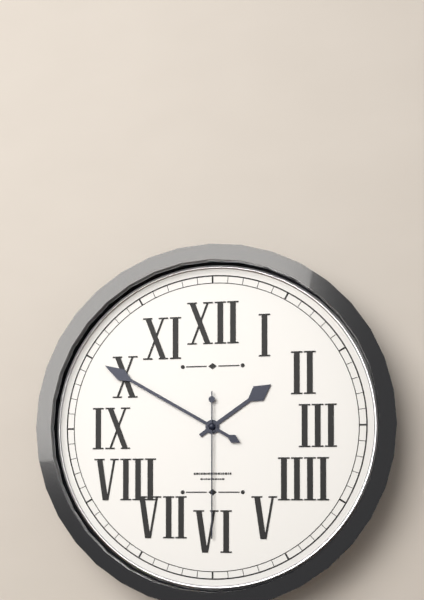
h=1 m=50 s=30
